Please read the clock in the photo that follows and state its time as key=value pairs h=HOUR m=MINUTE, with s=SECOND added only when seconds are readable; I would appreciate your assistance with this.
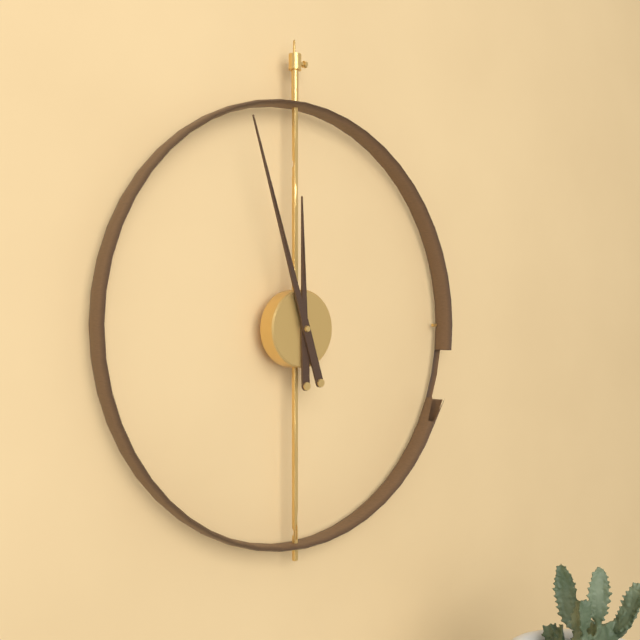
h=11 m=57
